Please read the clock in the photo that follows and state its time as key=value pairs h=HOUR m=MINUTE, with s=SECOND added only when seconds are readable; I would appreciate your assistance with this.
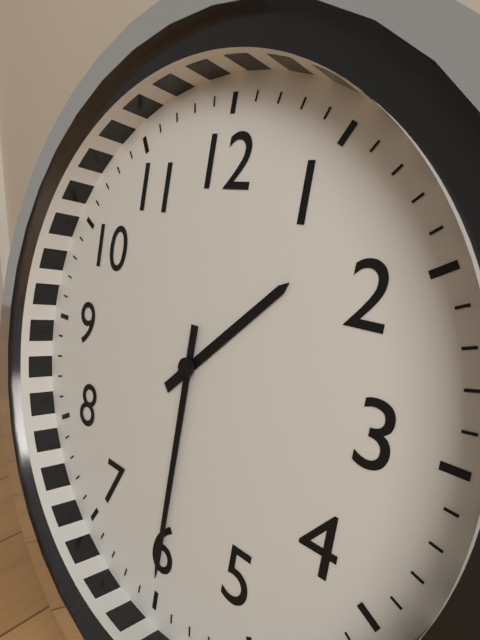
h=1 m=30
